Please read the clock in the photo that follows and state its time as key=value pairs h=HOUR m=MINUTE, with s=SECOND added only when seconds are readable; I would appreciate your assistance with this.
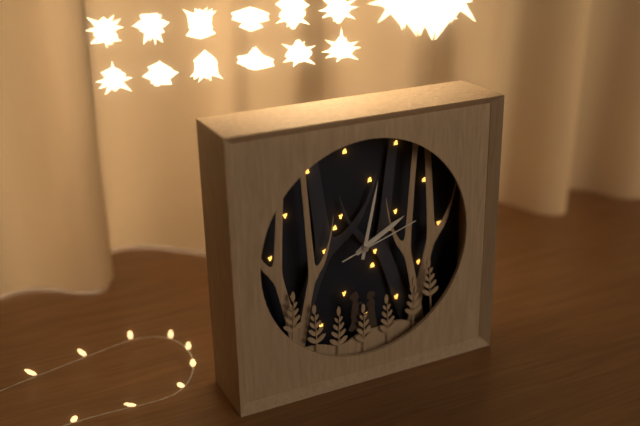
h=2 m=2 s=12
